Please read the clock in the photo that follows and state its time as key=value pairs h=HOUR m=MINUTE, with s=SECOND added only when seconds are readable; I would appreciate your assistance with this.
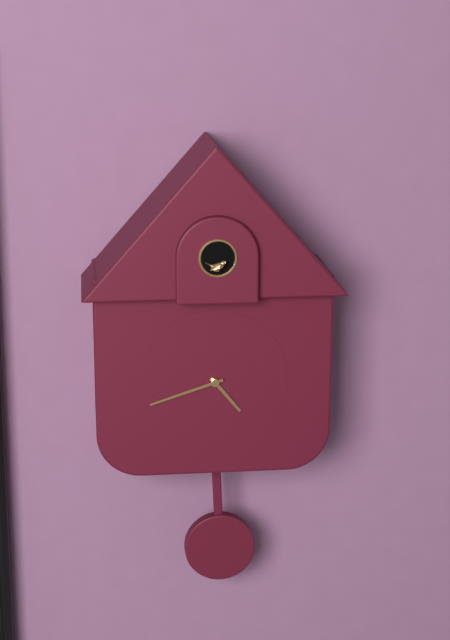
h=4 m=42
